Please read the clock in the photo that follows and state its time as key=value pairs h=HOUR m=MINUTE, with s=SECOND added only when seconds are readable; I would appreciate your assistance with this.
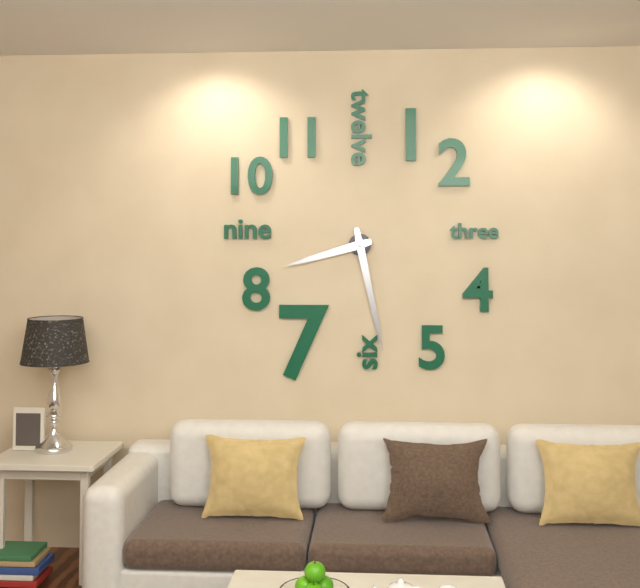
h=8 m=28
